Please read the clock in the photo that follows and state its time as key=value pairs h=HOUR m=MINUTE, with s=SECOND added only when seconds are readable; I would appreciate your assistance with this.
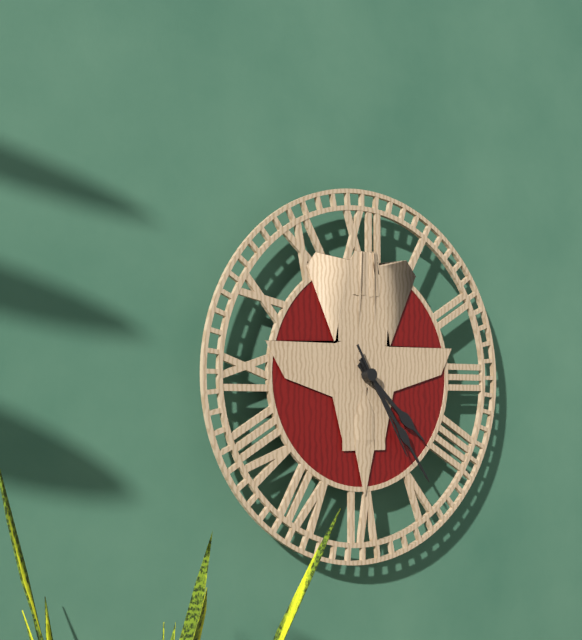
h=4 m=24 s=25
